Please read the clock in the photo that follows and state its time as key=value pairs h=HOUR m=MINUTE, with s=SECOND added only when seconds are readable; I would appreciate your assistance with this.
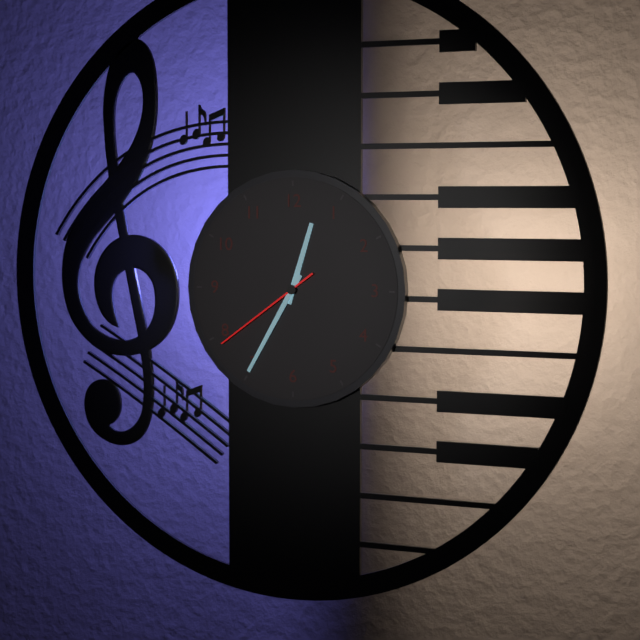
h=12 m=35 s=39
